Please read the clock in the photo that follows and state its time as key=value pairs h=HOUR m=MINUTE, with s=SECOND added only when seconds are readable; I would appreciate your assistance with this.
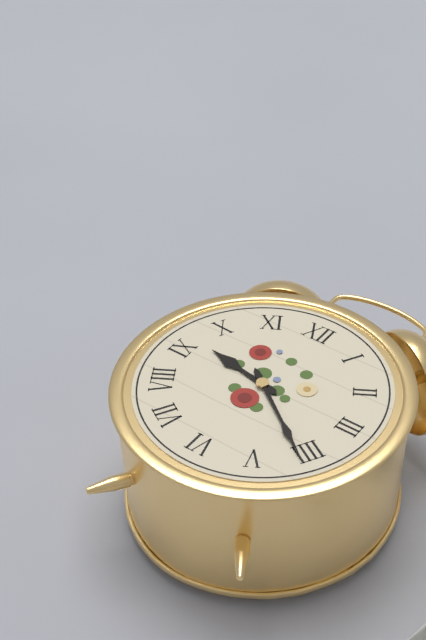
h=9 m=21
